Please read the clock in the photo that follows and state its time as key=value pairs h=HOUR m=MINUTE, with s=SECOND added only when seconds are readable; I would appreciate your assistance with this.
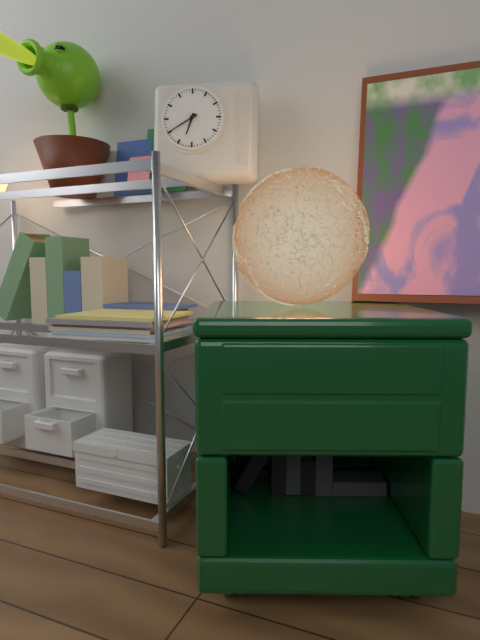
h=6 m=40
